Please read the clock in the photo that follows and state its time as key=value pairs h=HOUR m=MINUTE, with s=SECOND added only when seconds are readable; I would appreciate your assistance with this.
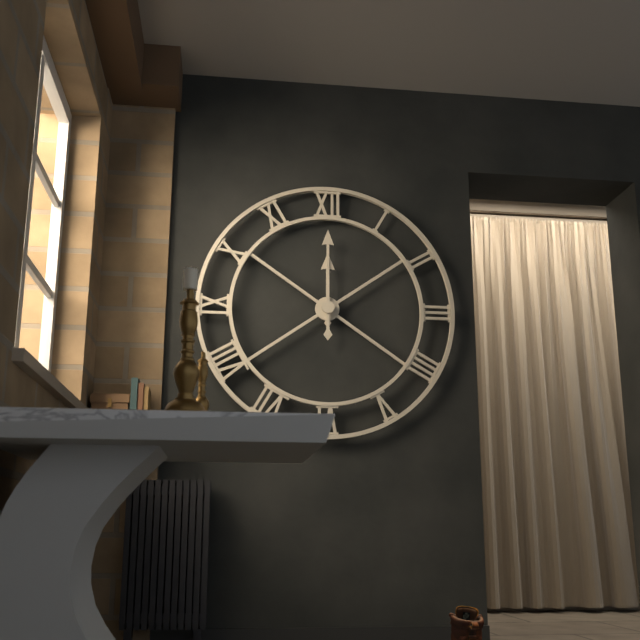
h=12 m=0
